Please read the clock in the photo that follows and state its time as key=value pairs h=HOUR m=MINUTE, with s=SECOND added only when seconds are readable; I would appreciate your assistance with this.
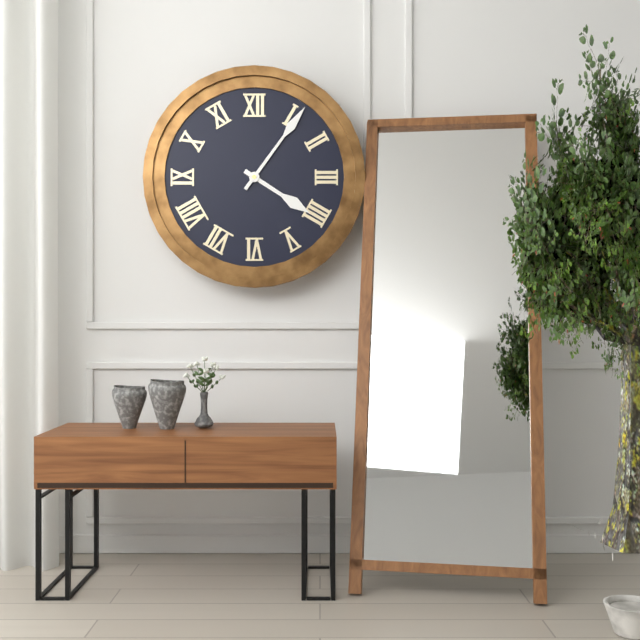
h=4 m=6
